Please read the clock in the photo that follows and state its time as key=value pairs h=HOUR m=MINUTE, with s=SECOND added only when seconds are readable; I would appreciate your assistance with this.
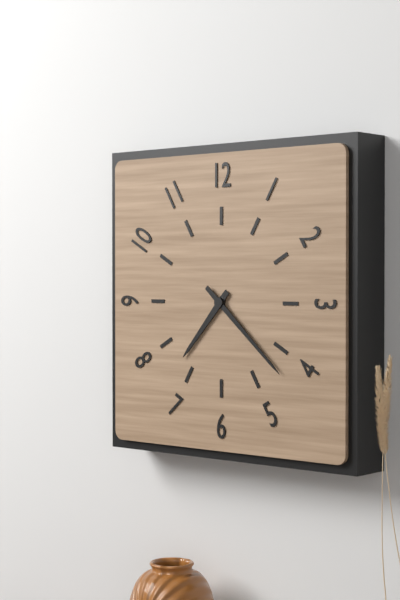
h=7 m=22
